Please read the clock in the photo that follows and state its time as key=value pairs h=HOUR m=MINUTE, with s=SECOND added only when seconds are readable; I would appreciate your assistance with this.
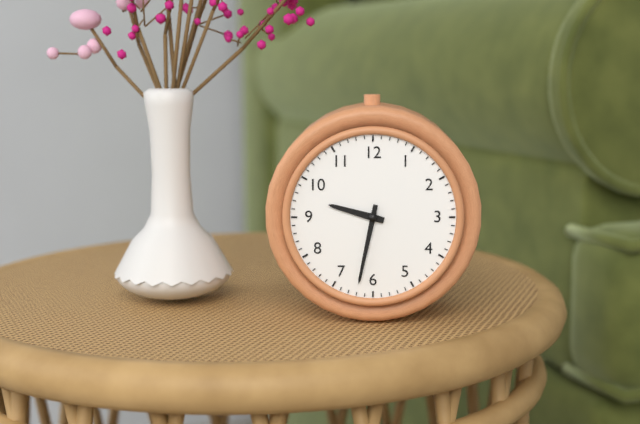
h=9 m=32
